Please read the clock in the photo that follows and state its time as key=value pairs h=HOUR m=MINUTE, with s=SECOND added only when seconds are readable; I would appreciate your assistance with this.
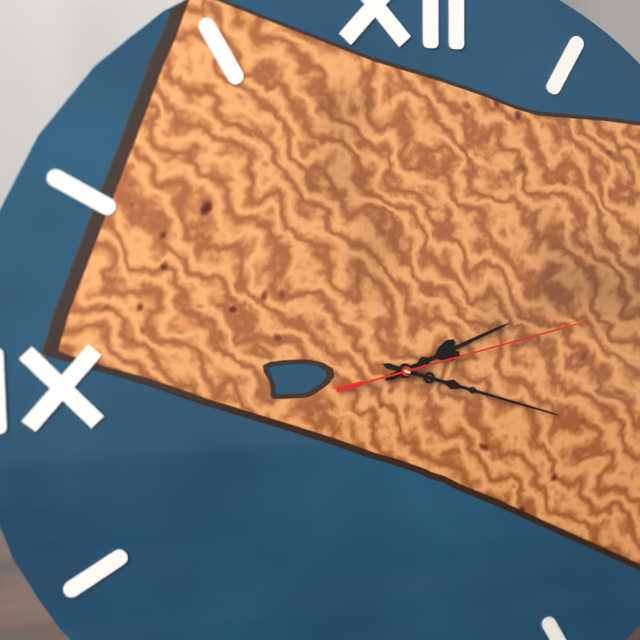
h=2 m=18 s=13
